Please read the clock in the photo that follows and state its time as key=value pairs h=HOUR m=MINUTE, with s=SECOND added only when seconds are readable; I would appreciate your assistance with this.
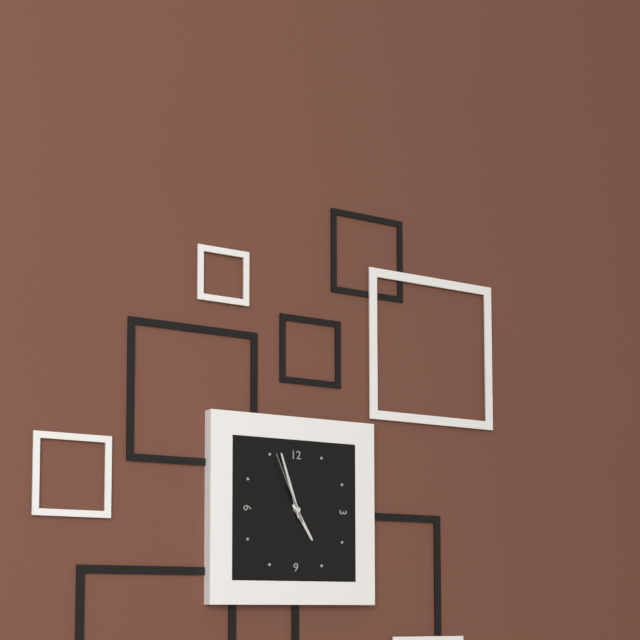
h=4 m=57 s=56
